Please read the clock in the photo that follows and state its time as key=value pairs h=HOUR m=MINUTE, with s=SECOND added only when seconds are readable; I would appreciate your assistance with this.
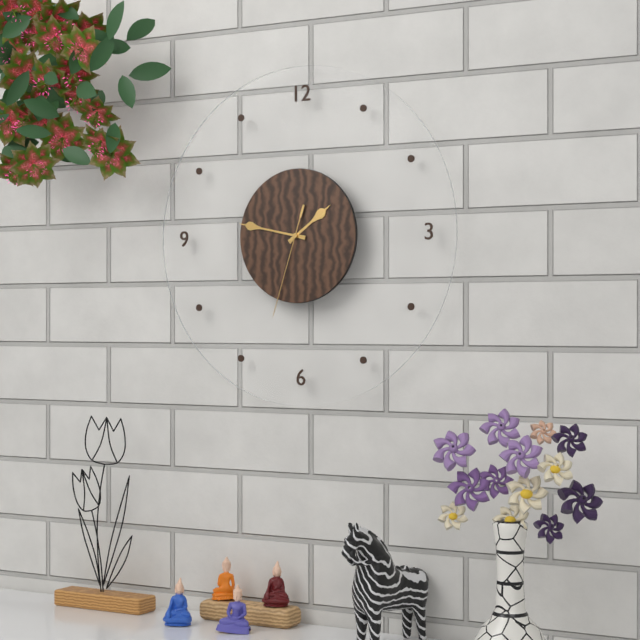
h=1 m=47 s=33
